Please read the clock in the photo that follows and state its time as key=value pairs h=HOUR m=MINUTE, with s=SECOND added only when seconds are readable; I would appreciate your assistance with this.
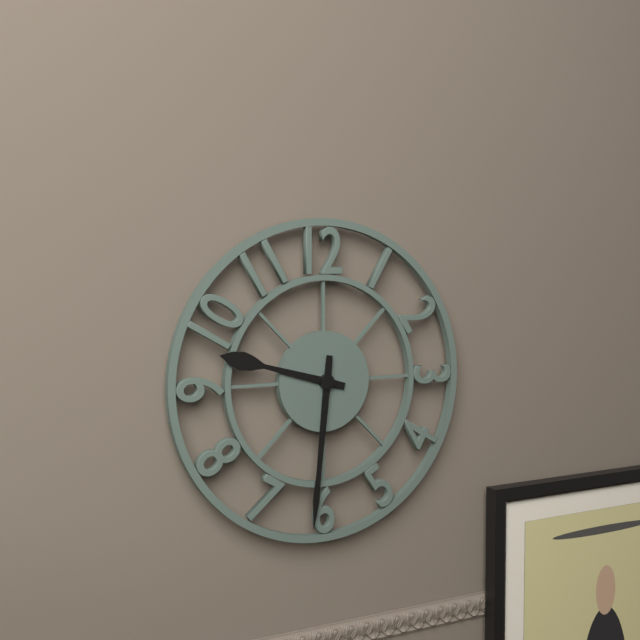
h=9 m=31
